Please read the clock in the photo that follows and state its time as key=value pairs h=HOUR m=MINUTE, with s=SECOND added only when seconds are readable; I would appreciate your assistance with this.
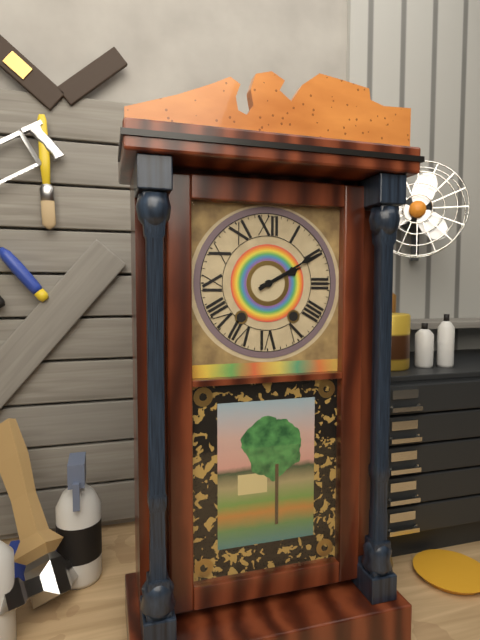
h=2 m=10
